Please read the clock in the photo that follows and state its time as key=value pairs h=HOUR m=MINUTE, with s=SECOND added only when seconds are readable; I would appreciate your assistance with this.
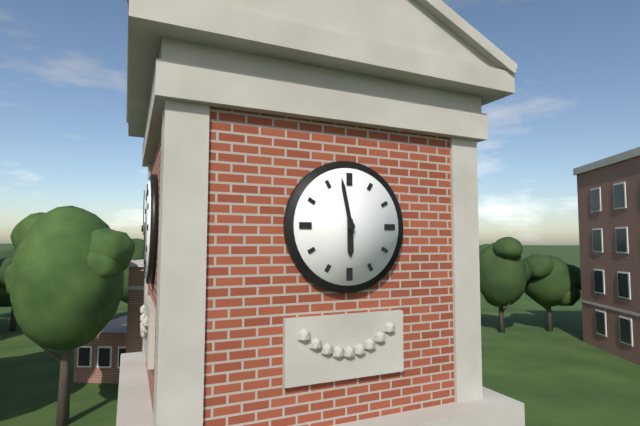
h=5 m=58
